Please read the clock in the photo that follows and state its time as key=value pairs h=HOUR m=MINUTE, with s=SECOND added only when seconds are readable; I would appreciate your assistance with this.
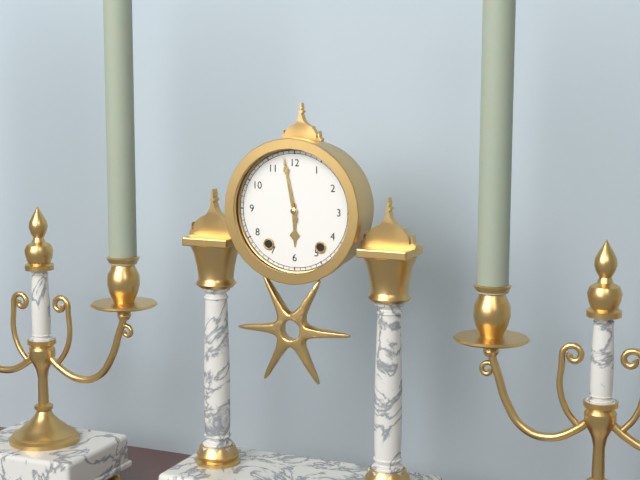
h=5 m=58
